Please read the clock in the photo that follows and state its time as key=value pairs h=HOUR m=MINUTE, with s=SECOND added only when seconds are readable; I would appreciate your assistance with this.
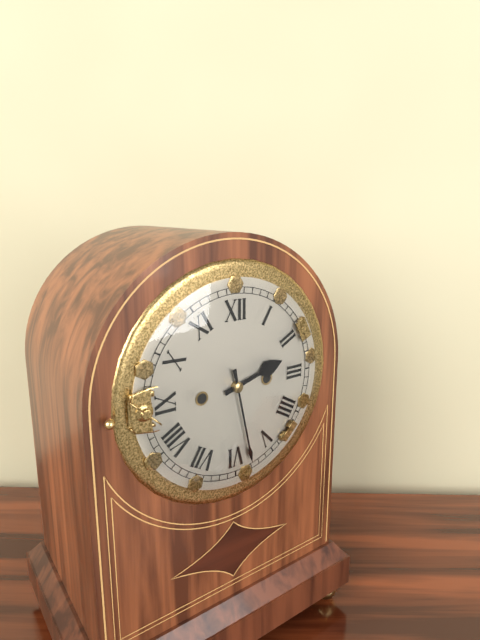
h=2 m=28
